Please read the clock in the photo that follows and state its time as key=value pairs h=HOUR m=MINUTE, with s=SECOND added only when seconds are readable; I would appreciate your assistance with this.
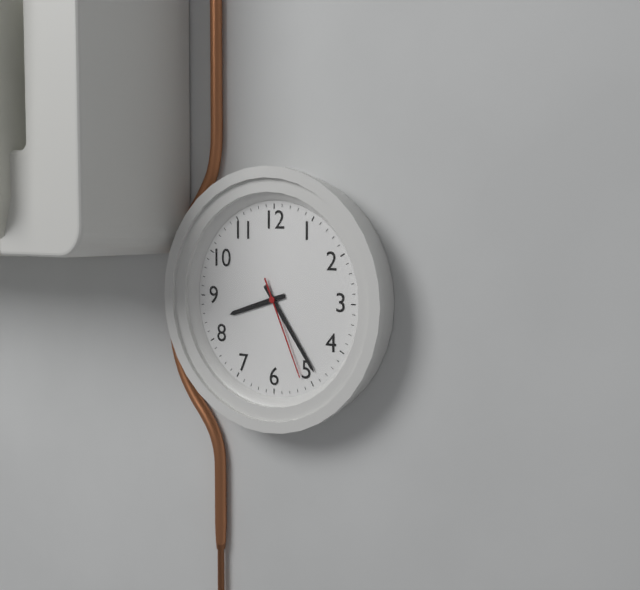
h=8 m=24 s=26
